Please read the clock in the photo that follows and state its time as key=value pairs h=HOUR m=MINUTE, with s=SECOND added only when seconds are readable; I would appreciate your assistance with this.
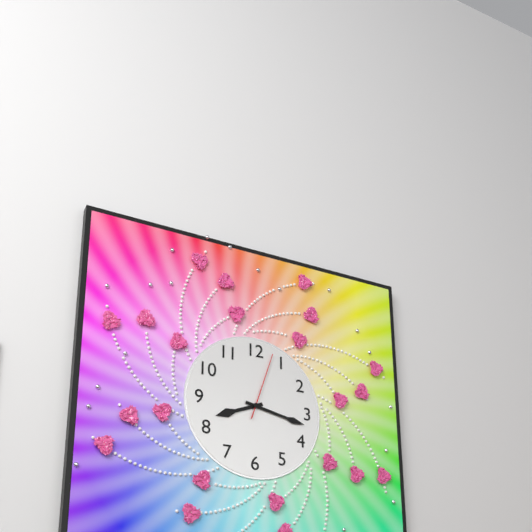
h=8 m=17 s=3
